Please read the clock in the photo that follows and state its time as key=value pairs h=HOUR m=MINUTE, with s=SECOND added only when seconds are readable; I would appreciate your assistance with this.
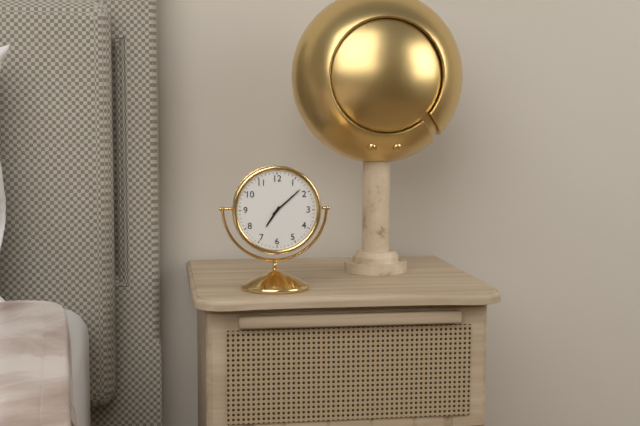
h=7 m=8
